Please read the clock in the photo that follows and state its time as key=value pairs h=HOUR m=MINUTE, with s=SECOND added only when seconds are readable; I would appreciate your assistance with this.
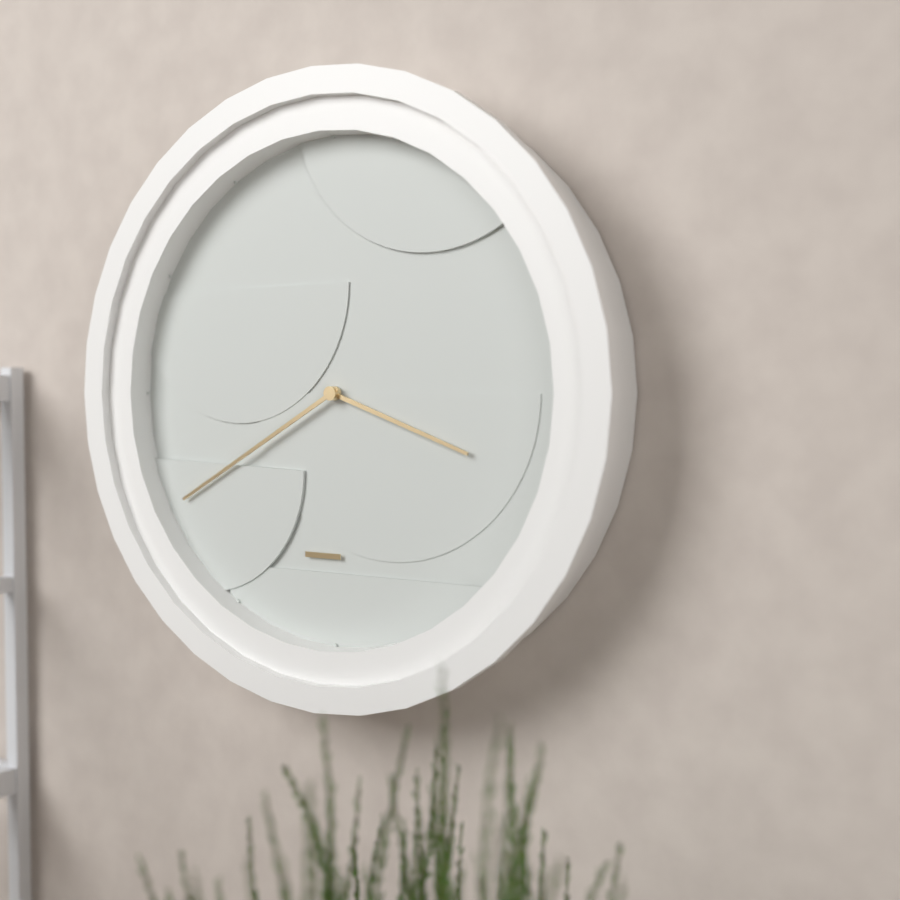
h=3 m=40
